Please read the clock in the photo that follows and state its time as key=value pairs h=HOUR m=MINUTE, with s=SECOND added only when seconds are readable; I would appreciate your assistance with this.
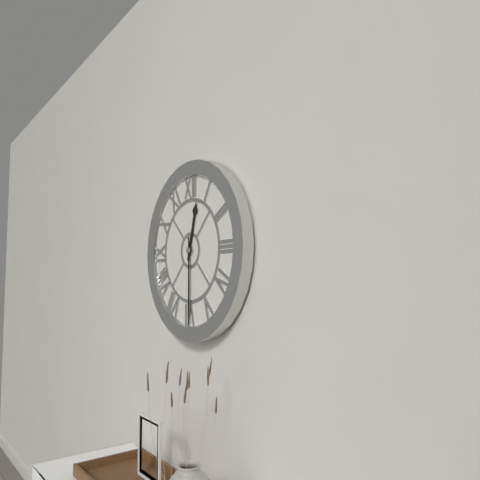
h=12 m=30
